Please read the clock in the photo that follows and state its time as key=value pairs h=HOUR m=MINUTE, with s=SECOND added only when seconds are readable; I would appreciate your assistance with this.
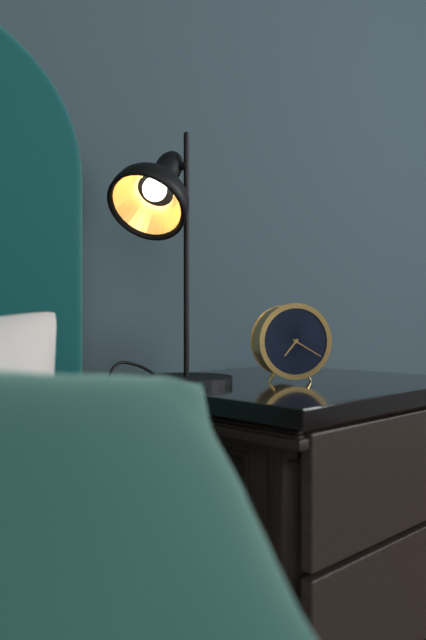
h=7 m=20
